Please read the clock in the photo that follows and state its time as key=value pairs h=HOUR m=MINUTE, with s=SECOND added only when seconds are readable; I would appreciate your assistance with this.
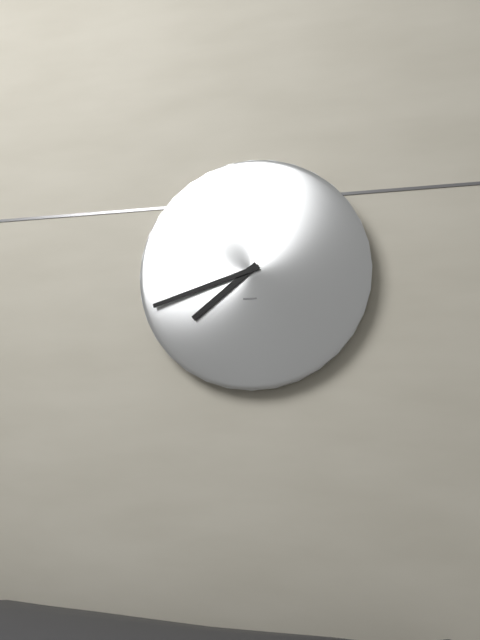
h=7 m=42
